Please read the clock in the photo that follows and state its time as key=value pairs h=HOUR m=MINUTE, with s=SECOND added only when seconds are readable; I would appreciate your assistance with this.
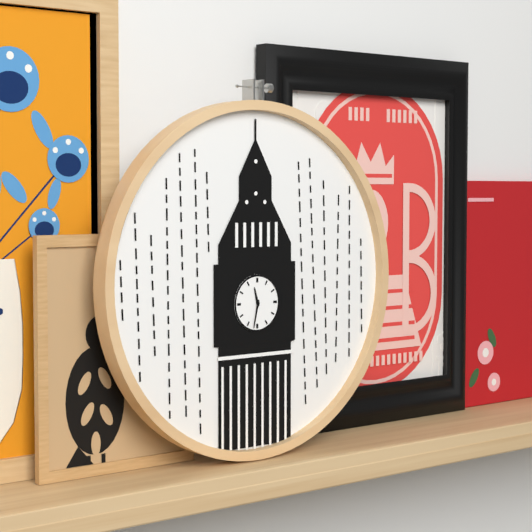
h=11 m=32
